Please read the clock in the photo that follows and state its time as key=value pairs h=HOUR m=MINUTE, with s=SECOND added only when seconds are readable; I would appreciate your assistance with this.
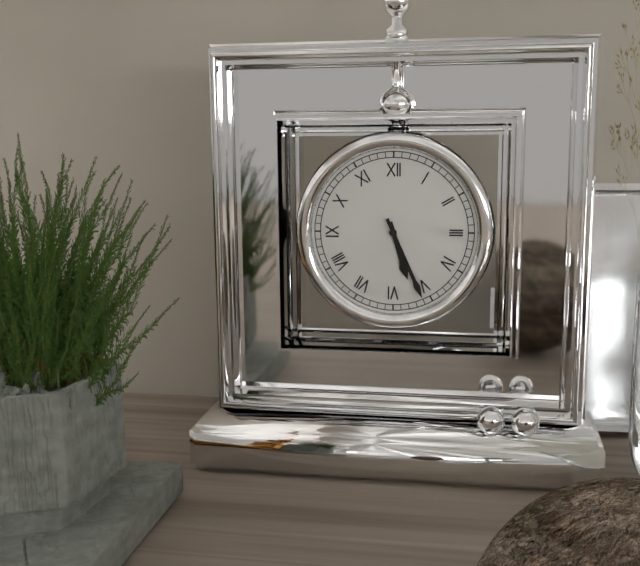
h=5 m=26
